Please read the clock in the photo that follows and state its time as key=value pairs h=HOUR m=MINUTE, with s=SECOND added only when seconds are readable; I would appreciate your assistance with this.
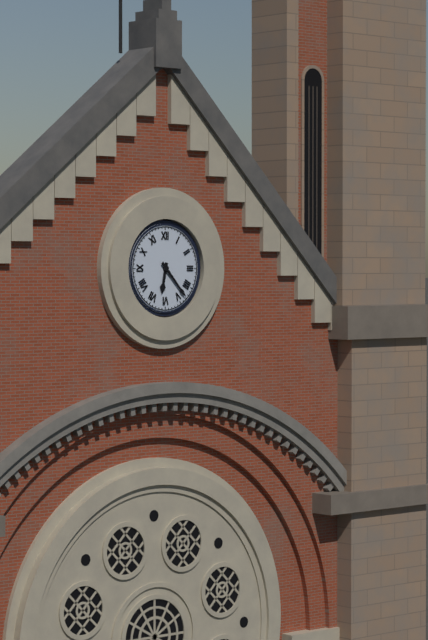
h=6 m=23
